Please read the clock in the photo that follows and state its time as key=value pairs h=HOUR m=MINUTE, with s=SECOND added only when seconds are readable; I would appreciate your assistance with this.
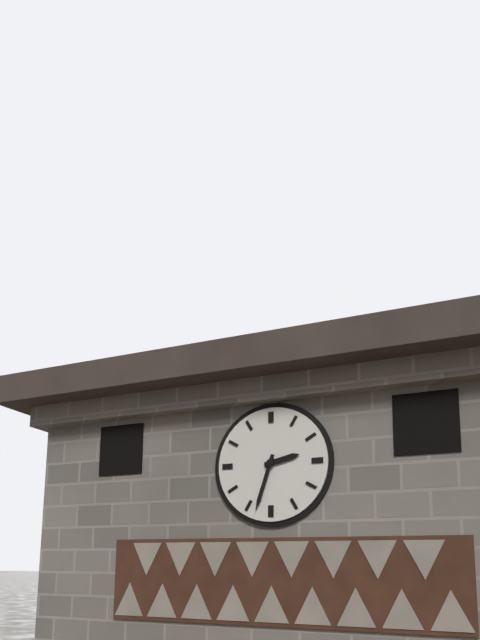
h=2 m=33
